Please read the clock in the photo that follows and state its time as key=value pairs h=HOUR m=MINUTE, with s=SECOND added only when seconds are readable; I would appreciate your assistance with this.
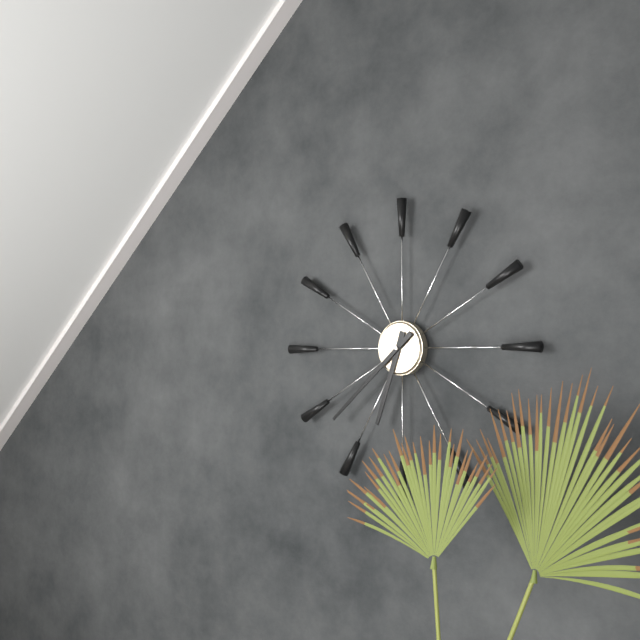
h=6 m=38
